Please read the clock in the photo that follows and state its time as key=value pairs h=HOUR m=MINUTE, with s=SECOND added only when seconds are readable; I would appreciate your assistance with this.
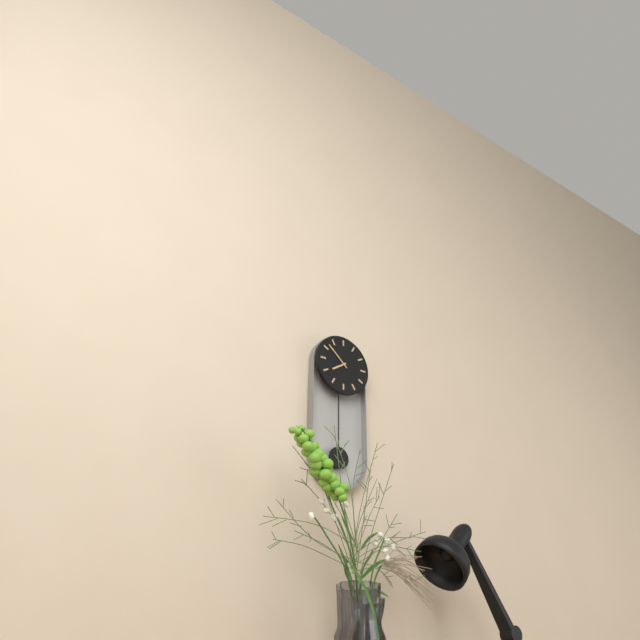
h=7 m=52
